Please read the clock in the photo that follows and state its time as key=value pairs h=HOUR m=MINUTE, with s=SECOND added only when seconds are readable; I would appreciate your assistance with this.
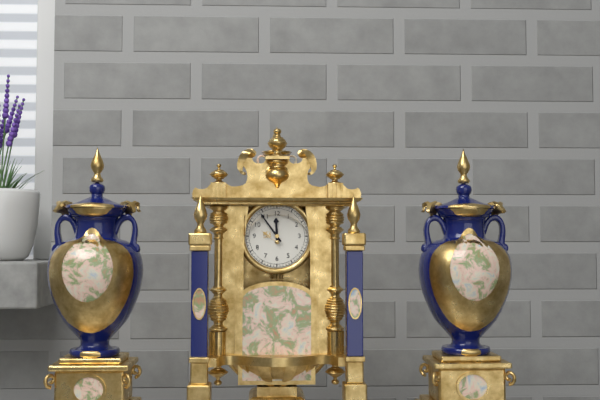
h=11 m=54
